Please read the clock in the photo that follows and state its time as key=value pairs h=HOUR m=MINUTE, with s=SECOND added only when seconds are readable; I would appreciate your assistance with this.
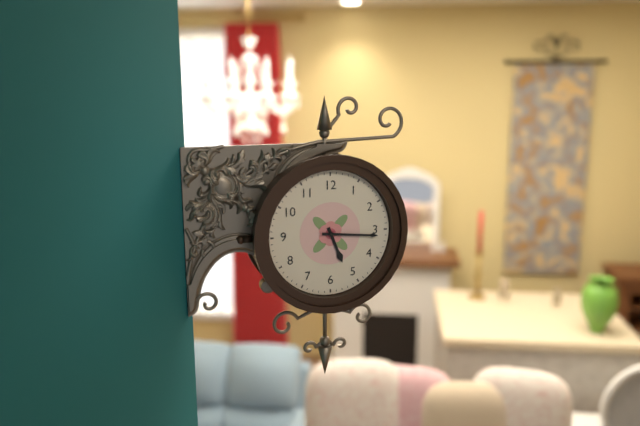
h=5 m=16
